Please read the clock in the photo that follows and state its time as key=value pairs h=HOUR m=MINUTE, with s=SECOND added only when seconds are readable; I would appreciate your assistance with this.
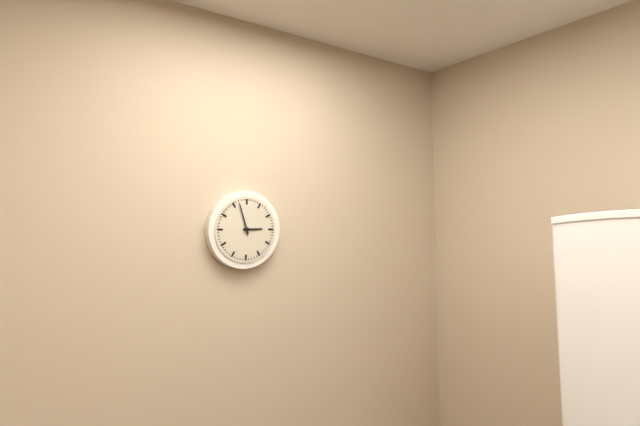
h=2 m=57
